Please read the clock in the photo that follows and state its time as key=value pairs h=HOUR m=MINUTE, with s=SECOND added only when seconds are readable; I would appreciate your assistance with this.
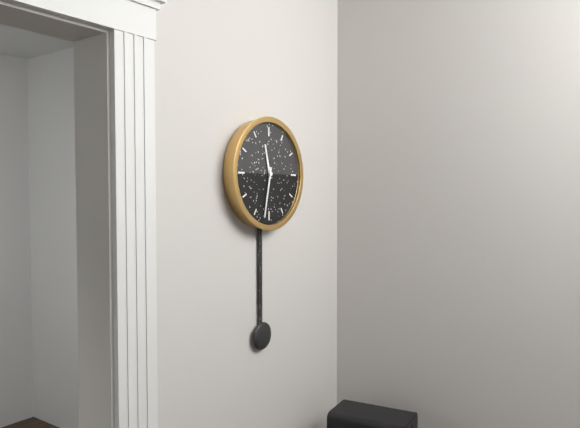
h=11 m=32
